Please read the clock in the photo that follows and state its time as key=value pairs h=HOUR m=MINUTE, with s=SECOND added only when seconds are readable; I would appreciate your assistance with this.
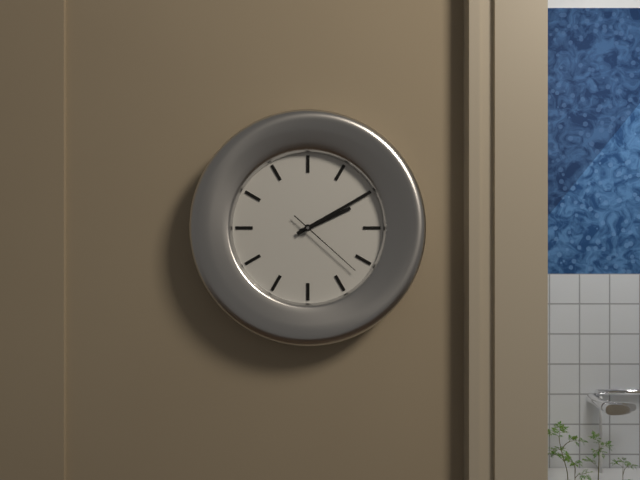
h=2 m=10 s=22
